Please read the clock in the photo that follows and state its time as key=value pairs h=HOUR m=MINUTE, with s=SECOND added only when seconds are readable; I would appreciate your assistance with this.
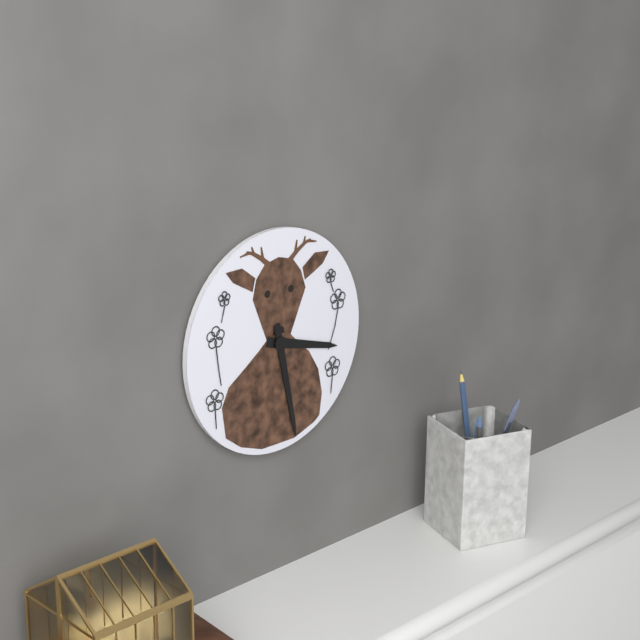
h=3 m=28
